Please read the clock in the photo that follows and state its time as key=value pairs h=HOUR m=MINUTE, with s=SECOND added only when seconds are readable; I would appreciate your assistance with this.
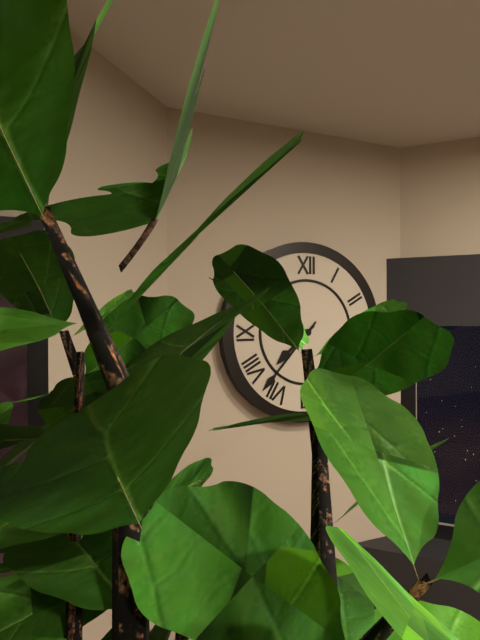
h=7 m=37
